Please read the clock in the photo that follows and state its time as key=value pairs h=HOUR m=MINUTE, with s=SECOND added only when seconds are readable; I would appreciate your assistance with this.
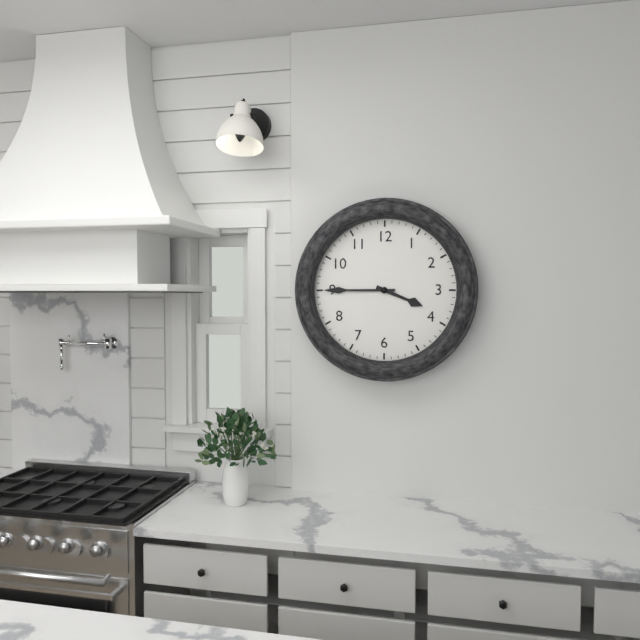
h=3 m=45
